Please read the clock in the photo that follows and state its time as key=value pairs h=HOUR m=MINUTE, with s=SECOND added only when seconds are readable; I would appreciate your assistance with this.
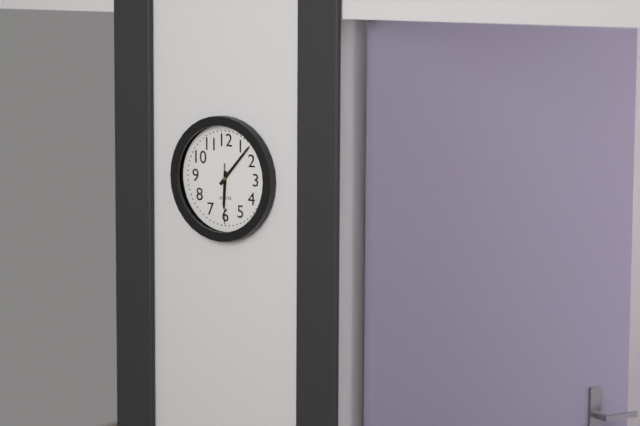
h=6 m=7 s=30
